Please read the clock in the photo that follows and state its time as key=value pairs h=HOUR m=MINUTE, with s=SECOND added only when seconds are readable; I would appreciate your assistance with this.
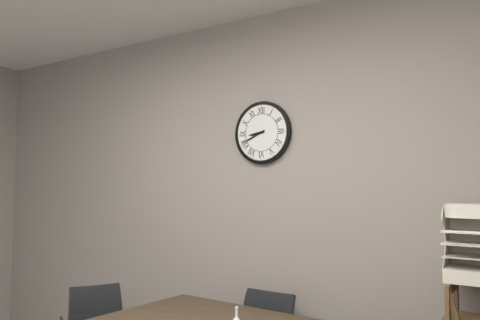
h=8 m=41
